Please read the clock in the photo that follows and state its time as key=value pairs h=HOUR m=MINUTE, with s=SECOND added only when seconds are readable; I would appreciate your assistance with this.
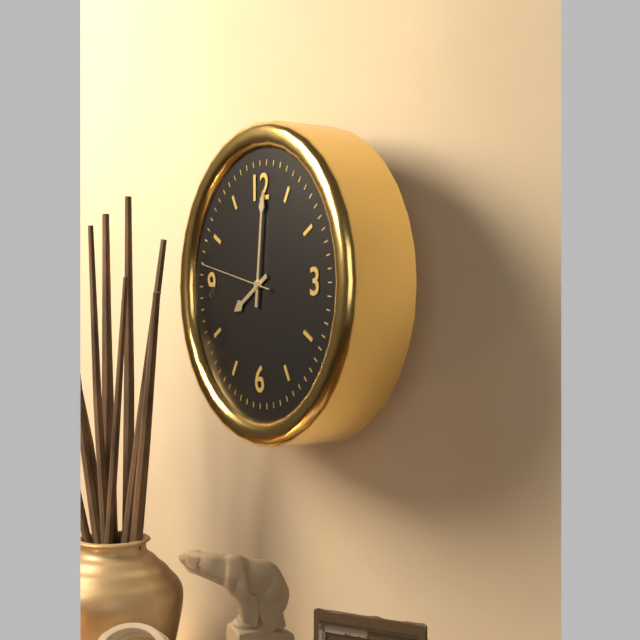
h=8 m=1 s=47
